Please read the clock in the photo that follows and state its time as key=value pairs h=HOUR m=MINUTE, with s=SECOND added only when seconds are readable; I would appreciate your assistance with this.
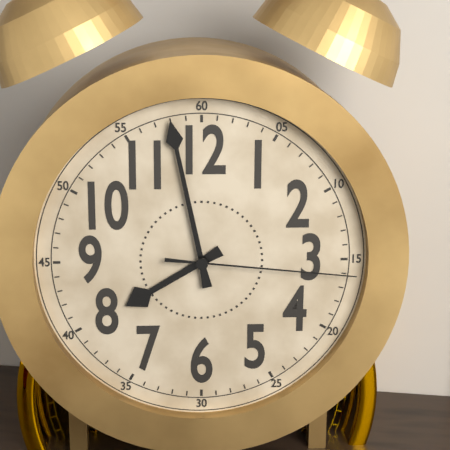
h=7 m=58 s=16
